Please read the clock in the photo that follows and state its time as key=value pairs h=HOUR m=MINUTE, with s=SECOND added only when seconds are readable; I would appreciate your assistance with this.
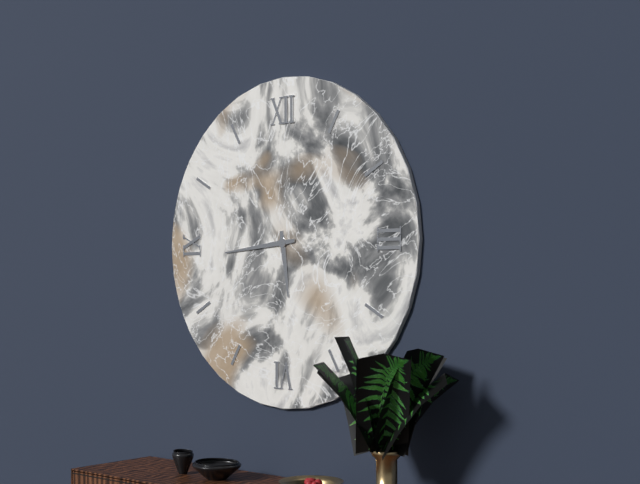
h=5 m=44
